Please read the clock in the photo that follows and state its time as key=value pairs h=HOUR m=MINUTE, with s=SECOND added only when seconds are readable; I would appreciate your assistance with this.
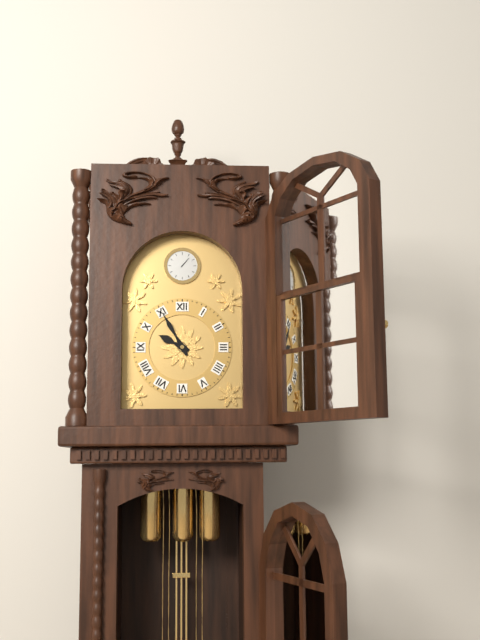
h=9 m=55
